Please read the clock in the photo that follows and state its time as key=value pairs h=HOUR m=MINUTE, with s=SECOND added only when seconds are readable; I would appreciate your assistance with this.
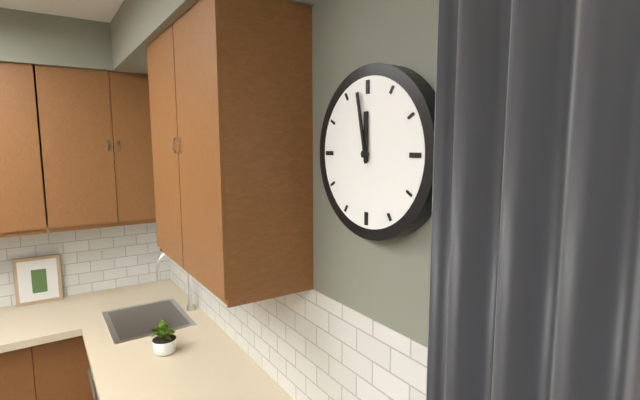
h=11 m=58
